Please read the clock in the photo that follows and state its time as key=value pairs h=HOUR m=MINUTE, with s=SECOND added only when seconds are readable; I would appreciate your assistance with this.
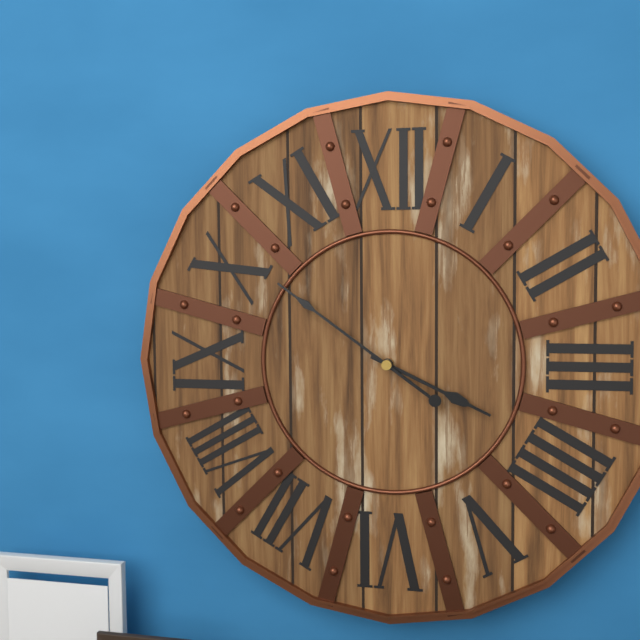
h=3 m=51
